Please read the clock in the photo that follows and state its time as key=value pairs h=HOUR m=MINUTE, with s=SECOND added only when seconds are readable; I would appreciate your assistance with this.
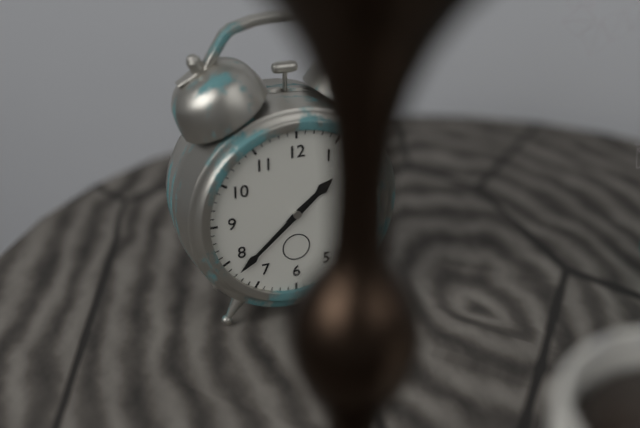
h=1 m=38
